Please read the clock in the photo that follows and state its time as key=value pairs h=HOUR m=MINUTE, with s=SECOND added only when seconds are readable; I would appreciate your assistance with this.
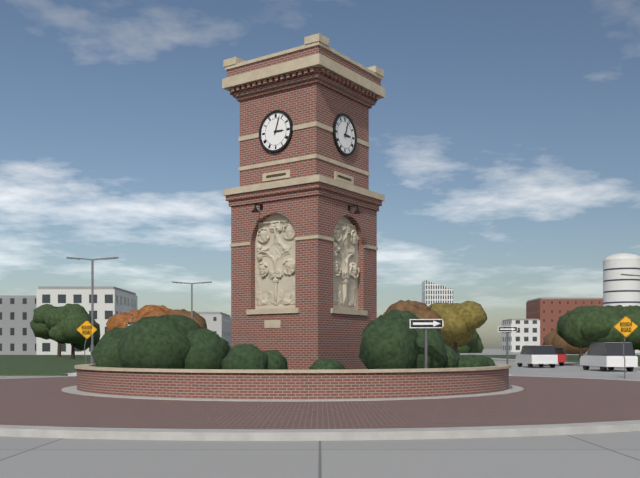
h=3 m=3
